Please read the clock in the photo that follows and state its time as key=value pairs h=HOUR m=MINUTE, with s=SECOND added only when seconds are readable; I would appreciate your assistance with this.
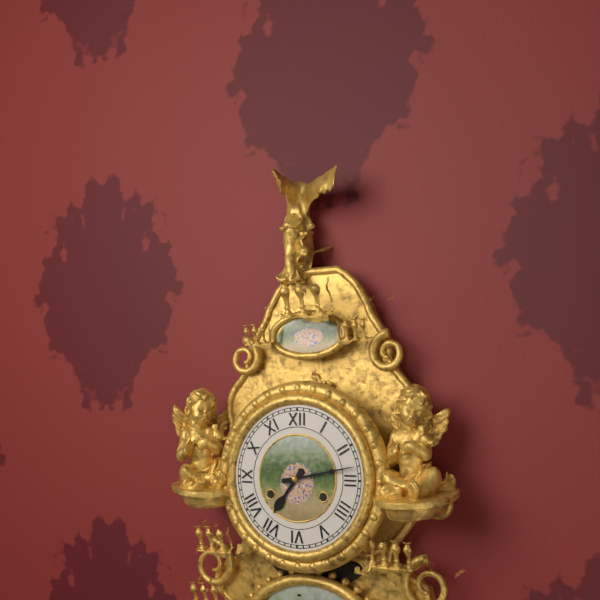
h=7 m=13
